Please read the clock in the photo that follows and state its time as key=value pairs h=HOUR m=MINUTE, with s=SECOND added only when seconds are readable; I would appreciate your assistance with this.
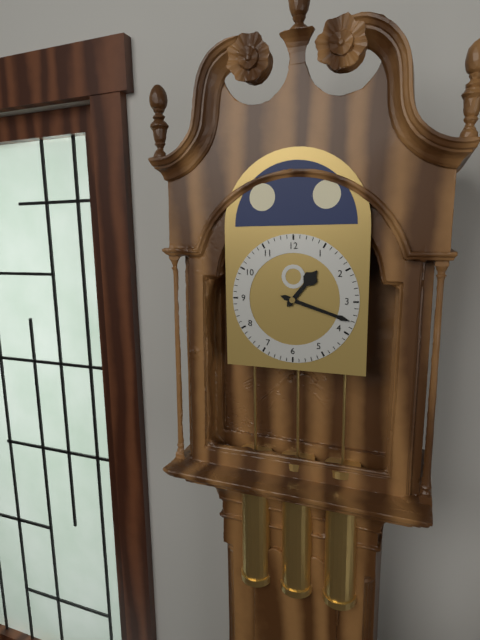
h=1 m=18
